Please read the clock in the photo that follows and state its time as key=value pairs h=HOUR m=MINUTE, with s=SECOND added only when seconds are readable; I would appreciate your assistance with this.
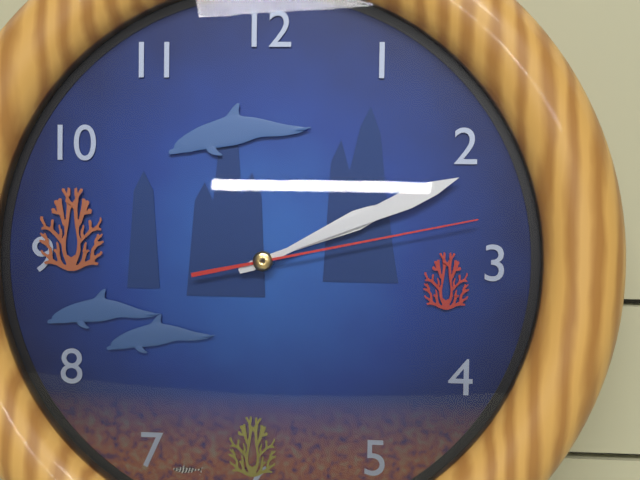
h=2 m=11 s=13
